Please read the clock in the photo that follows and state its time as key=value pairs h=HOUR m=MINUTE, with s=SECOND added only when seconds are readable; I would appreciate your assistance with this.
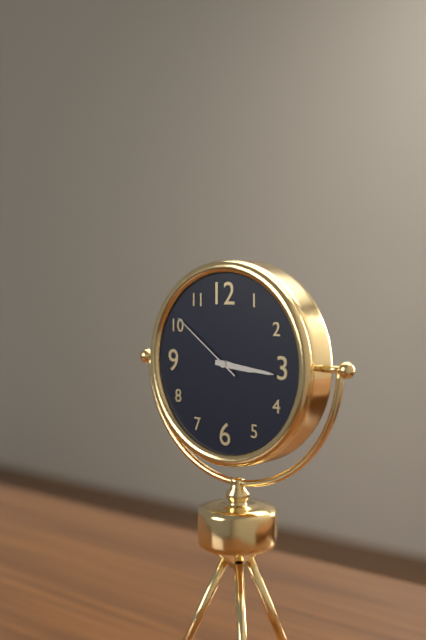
h=3 m=16 s=51
